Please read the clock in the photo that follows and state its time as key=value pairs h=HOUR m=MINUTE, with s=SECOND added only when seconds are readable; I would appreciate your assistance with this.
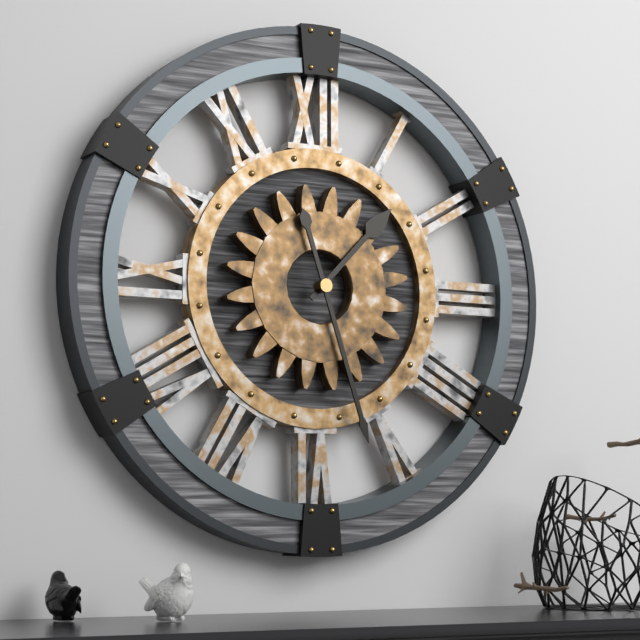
h=1 m=27
